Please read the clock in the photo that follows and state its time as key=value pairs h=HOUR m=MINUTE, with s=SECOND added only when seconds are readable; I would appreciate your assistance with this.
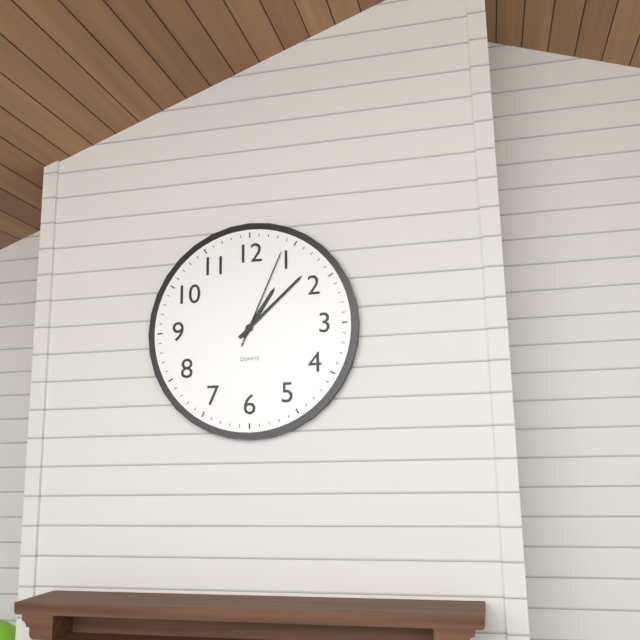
h=1 m=8 s=4
